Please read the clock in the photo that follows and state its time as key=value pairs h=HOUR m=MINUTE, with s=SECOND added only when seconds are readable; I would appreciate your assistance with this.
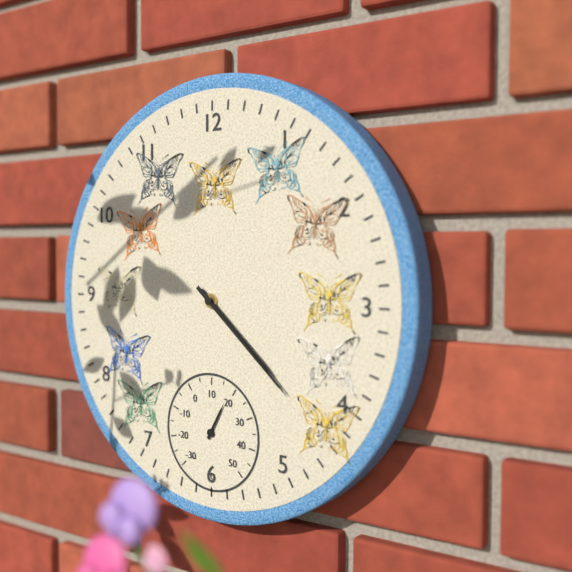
h=4 m=22
